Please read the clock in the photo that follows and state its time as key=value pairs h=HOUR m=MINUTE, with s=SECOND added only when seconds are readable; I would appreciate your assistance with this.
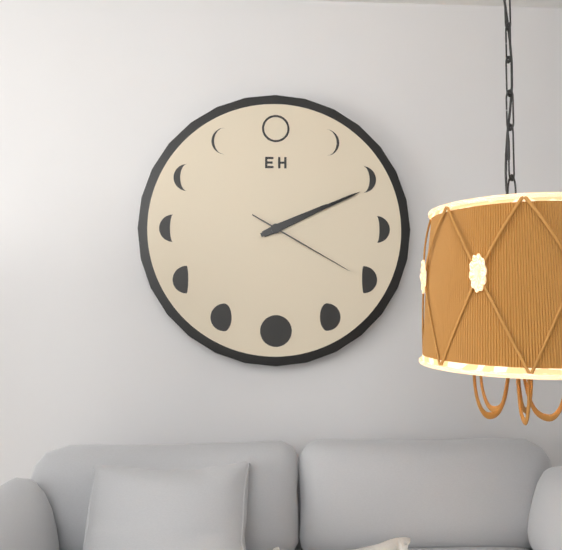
h=2 m=11 s=20
